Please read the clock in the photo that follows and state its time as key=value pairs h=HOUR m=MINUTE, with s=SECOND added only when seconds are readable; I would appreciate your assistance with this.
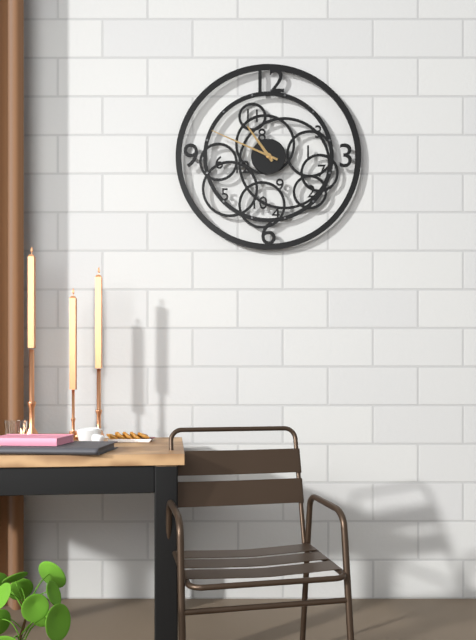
h=10 m=49
